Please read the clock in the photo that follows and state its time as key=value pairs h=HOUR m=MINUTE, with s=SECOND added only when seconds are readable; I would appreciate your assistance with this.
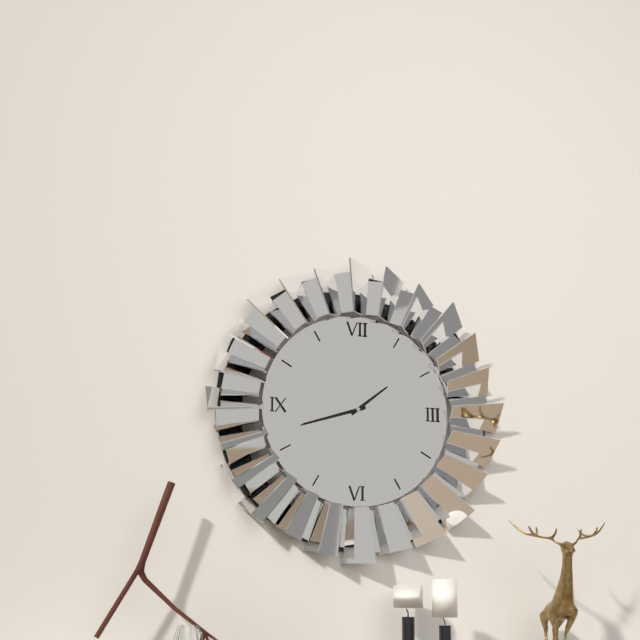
h=1 m=42
